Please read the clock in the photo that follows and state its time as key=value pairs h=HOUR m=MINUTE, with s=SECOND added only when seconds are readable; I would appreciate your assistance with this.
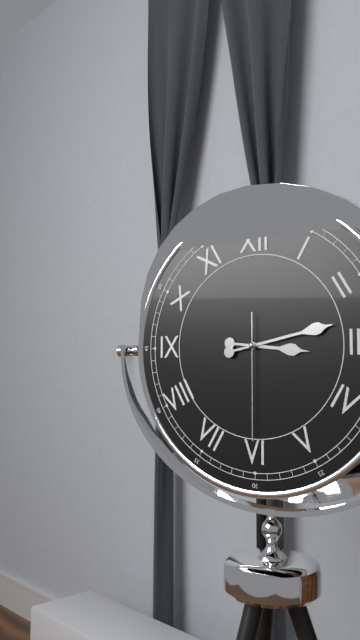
h=3 m=13 s=30
